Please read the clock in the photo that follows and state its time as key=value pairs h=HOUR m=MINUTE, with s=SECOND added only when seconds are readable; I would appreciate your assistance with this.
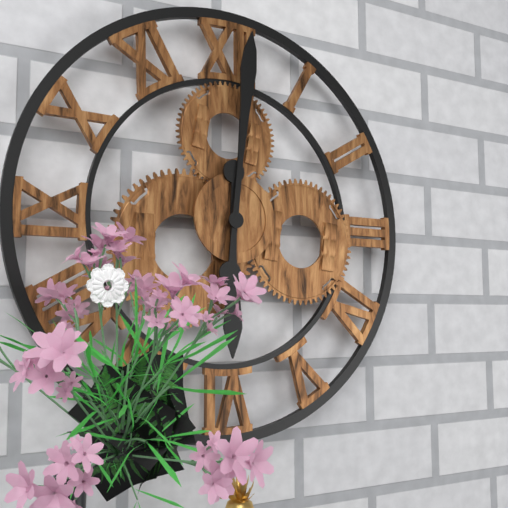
h=6 m=1
